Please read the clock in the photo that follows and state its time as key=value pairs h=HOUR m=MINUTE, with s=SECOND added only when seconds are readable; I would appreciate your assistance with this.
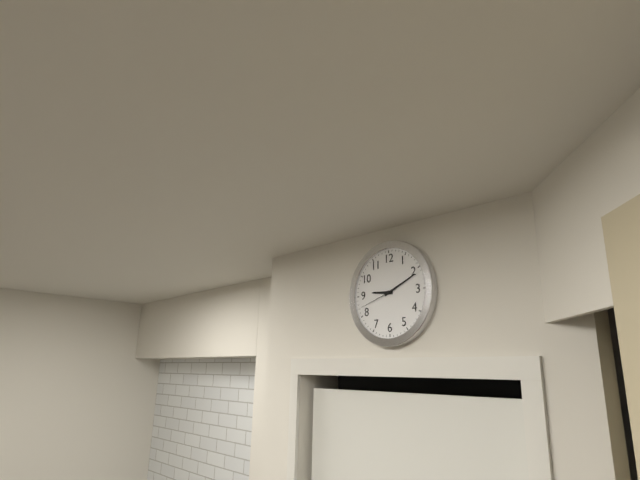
h=9 m=11
